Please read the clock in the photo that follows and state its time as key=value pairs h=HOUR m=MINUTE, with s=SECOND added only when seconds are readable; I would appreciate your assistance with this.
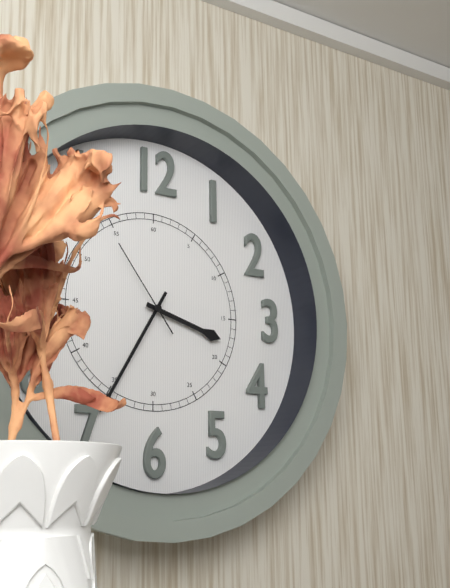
h=3 m=35 s=54
